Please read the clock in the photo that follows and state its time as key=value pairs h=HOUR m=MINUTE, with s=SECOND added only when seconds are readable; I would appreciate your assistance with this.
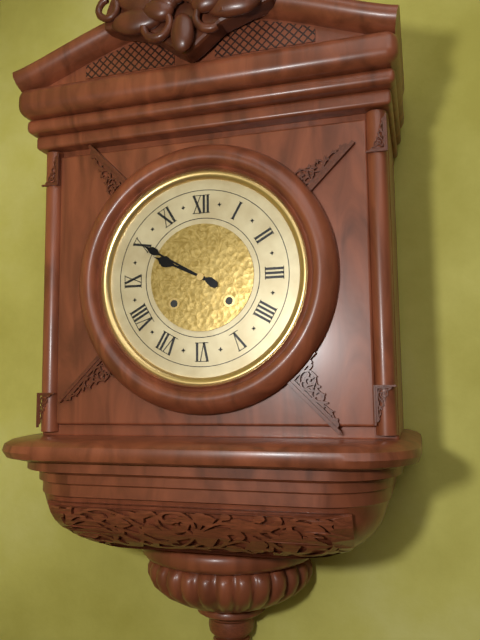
h=9 m=50
